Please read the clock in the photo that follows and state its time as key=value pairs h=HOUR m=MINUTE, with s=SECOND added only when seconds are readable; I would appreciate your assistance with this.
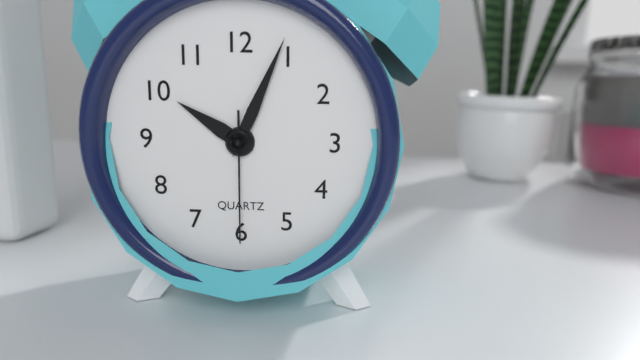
h=10 m=4 s=30
